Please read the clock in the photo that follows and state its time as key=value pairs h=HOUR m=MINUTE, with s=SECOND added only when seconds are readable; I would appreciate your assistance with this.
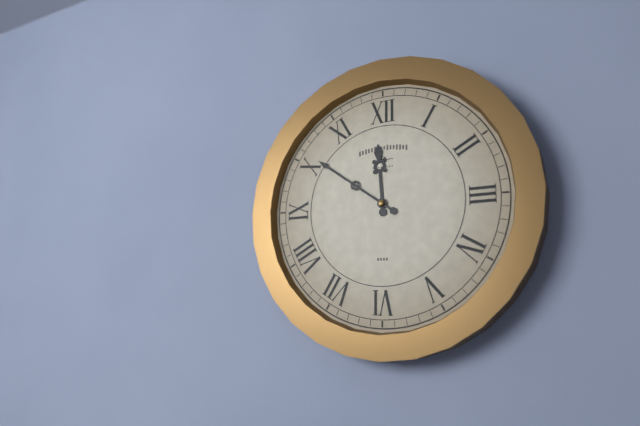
h=11 m=51
